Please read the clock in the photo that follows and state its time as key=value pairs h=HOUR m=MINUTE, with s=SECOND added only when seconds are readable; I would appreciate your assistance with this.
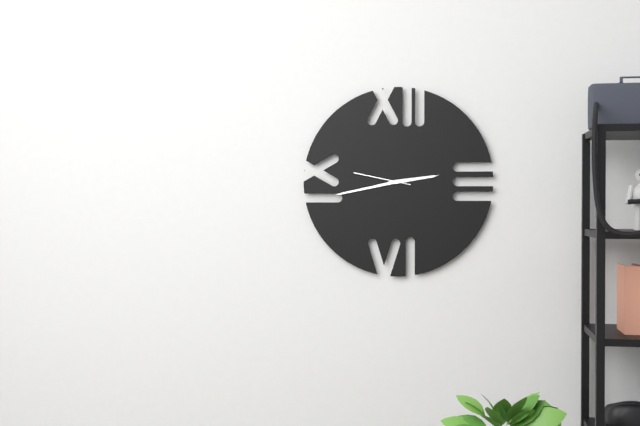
h=2 m=43 s=47
